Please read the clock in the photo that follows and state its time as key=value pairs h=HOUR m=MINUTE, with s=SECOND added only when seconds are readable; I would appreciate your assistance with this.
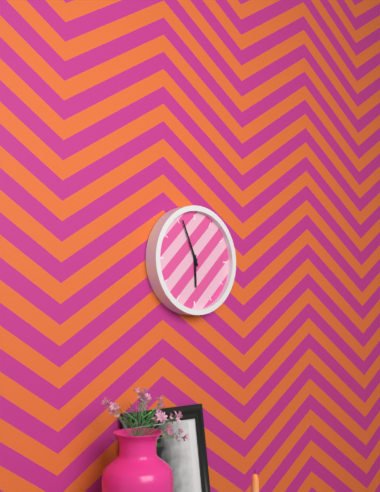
h=5 m=56
